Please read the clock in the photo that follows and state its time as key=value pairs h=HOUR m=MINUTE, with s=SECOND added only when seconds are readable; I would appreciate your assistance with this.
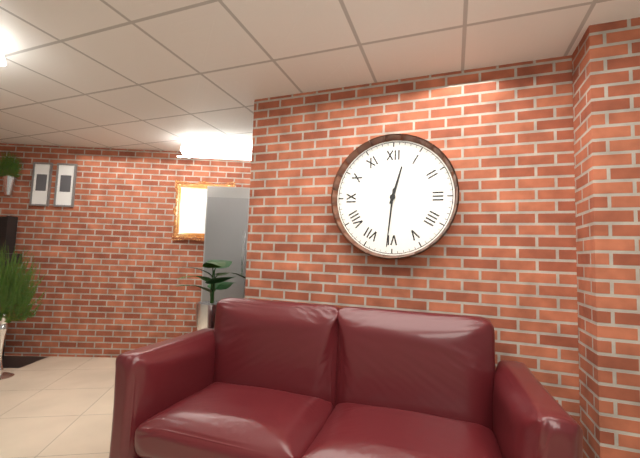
h=12 m=31
